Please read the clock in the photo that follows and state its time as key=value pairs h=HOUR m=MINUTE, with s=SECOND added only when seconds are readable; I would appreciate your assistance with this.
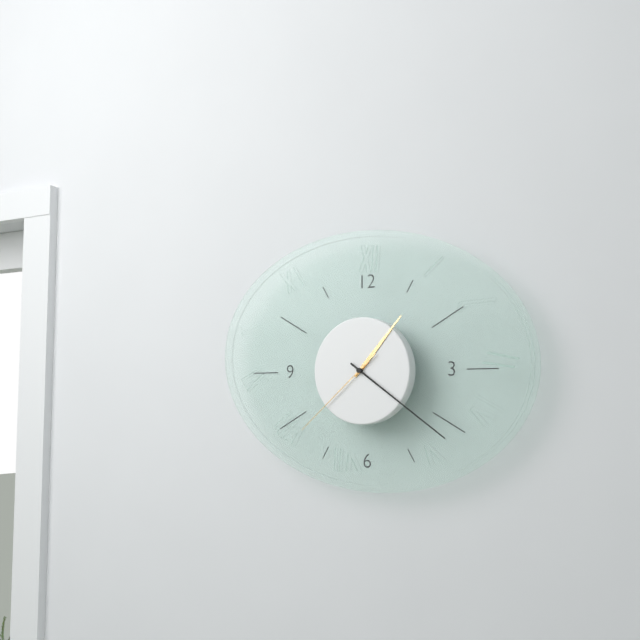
h=1 m=21 s=38
